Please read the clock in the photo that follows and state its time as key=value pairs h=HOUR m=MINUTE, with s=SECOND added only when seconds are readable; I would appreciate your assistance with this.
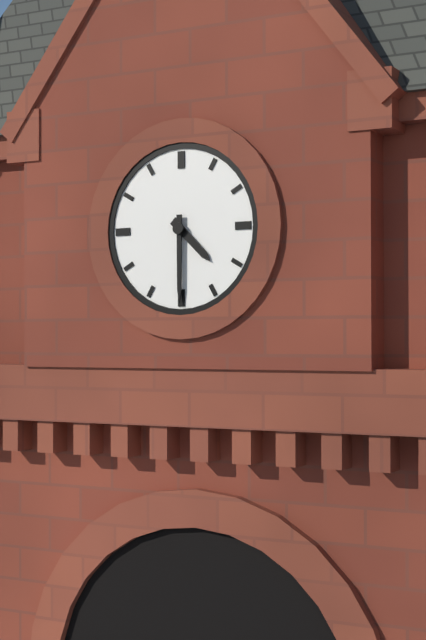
h=4 m=30
